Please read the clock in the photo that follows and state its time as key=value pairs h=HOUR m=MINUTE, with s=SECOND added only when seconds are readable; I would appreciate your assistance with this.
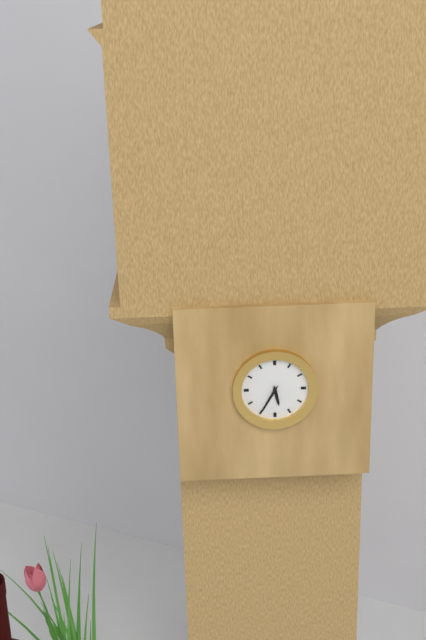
h=5 m=35
